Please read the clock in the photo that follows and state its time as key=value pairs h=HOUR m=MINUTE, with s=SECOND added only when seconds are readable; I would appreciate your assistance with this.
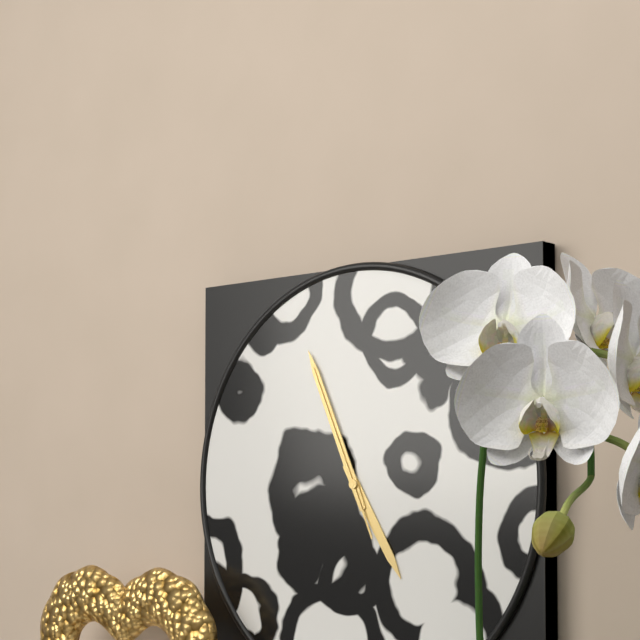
h=4 m=56 s=56
